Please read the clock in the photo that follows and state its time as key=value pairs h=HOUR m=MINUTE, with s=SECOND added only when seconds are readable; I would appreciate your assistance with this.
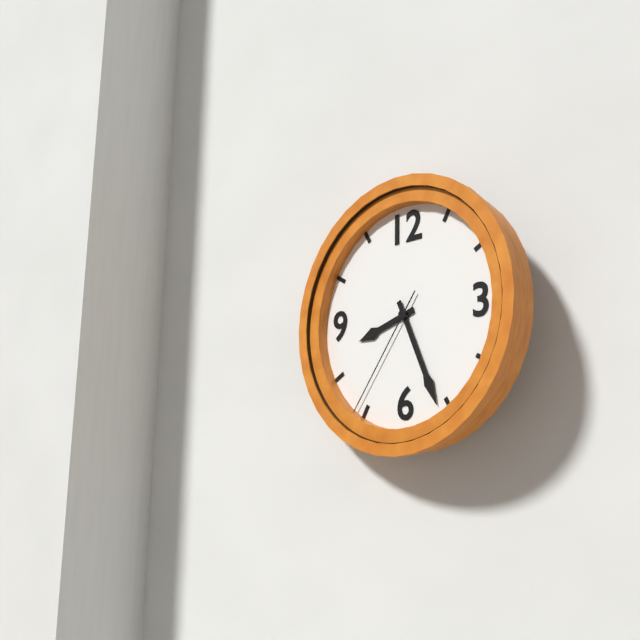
h=8 m=26 s=36
